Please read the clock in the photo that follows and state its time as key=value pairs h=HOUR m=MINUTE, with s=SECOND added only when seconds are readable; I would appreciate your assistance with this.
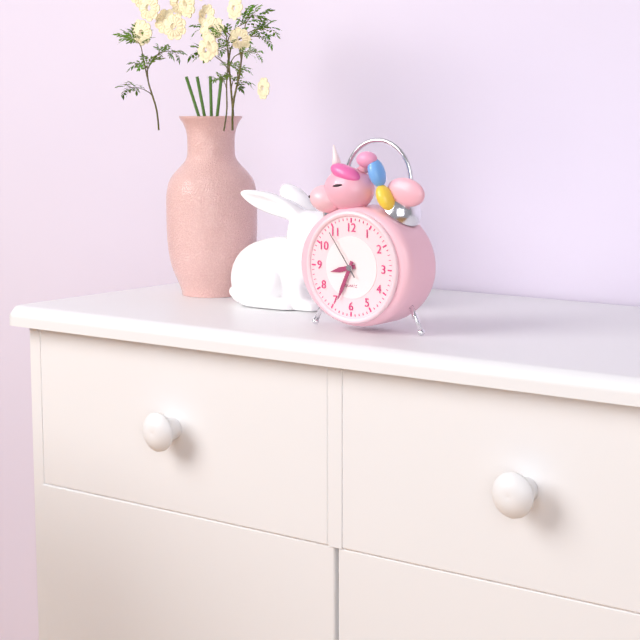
h=8 m=34 s=54
